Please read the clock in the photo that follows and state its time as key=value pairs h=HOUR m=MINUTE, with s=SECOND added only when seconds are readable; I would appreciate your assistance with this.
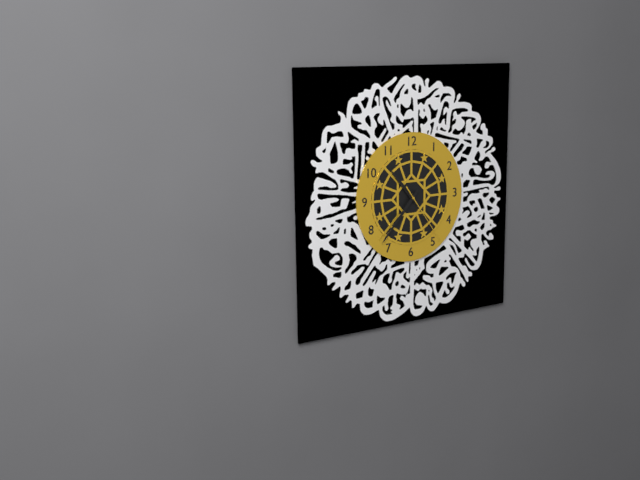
h=10 m=37 s=24
